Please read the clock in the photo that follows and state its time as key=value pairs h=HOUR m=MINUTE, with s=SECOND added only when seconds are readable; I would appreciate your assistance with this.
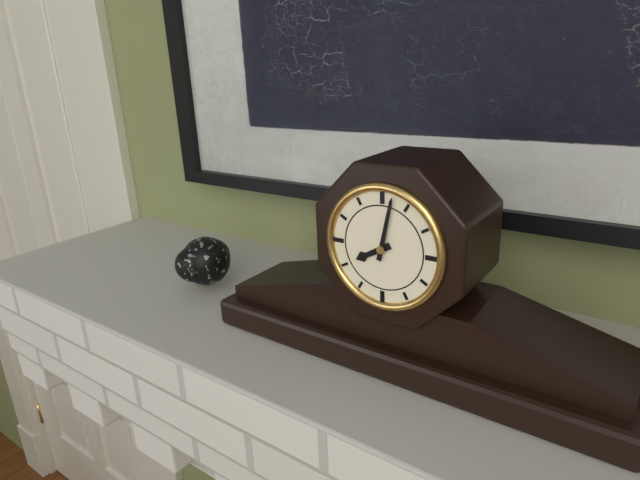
h=8 m=2
